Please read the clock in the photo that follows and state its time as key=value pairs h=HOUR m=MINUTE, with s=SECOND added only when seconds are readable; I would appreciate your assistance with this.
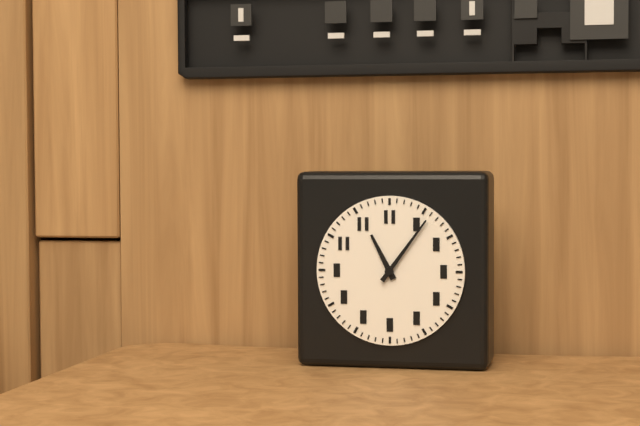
h=11 m=6
